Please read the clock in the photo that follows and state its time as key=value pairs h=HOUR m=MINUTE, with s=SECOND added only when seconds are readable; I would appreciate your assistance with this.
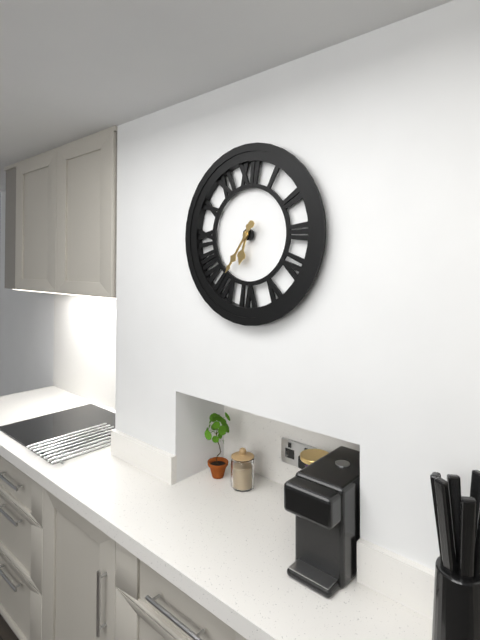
h=6 m=36
